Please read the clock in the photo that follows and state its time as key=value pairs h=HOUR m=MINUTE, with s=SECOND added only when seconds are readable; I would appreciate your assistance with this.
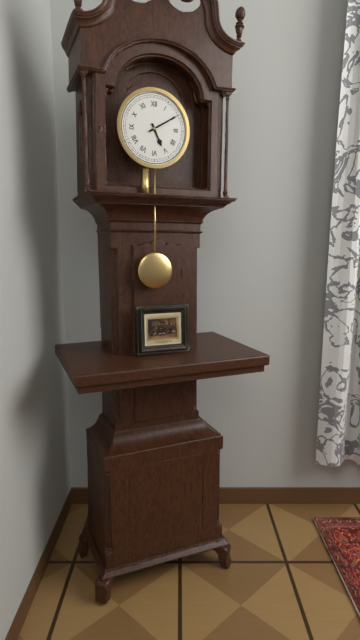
h=5 m=10
